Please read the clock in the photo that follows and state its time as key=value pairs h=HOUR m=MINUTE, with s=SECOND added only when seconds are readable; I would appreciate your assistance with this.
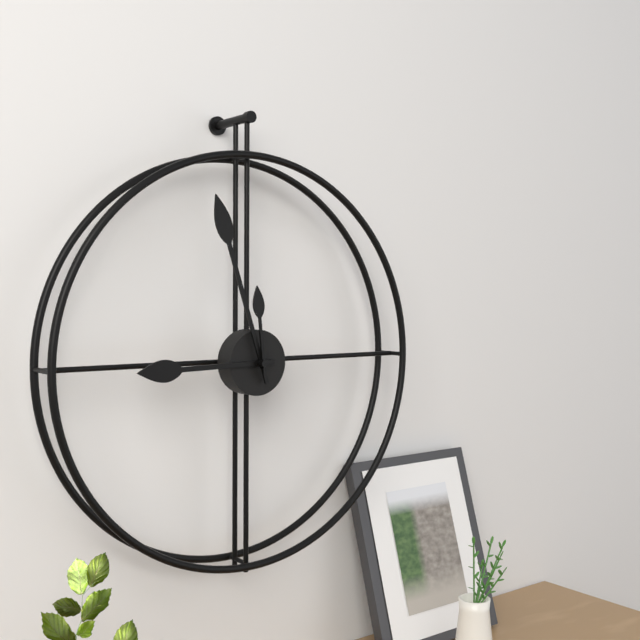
h=8 m=57 s=59
